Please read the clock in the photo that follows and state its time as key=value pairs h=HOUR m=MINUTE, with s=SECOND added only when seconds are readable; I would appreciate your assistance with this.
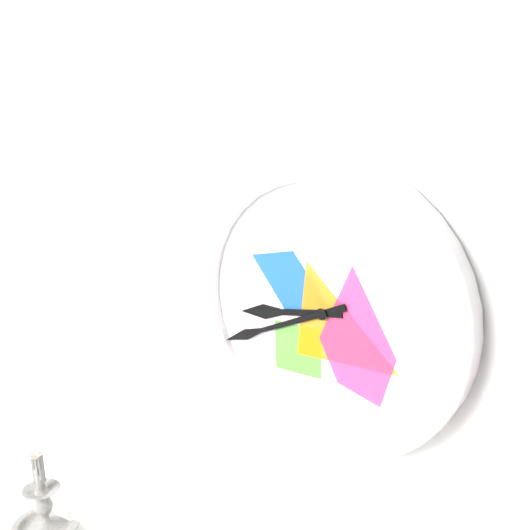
h=8 m=41
